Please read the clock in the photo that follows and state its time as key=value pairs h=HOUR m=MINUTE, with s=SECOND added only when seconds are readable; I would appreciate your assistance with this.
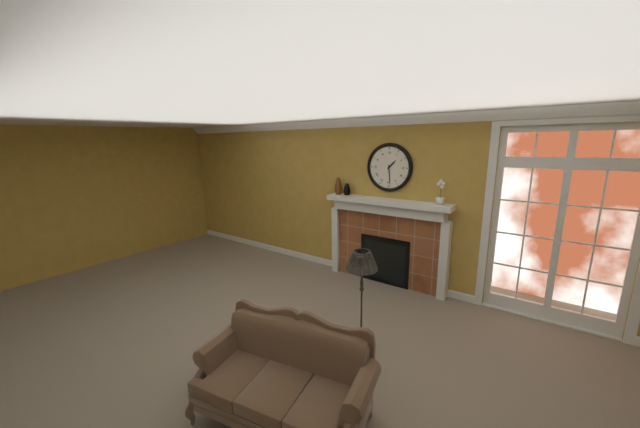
h=1 m=29
